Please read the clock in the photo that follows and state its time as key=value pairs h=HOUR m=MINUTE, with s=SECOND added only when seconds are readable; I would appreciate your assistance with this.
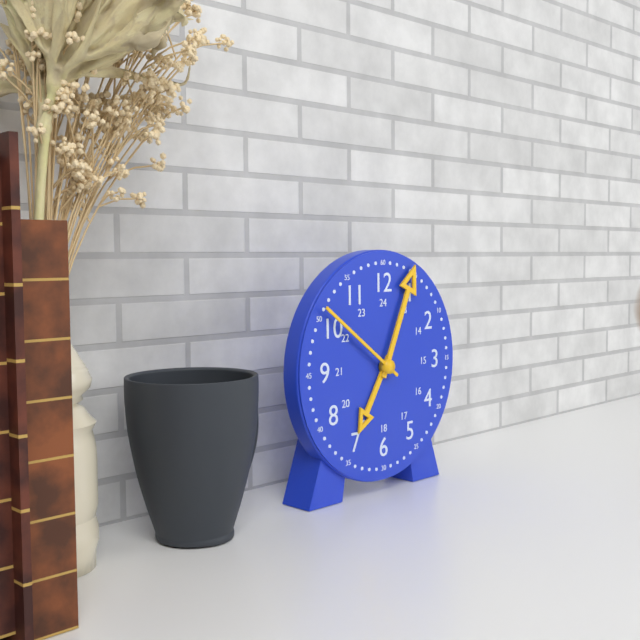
h=7 m=4 s=51
